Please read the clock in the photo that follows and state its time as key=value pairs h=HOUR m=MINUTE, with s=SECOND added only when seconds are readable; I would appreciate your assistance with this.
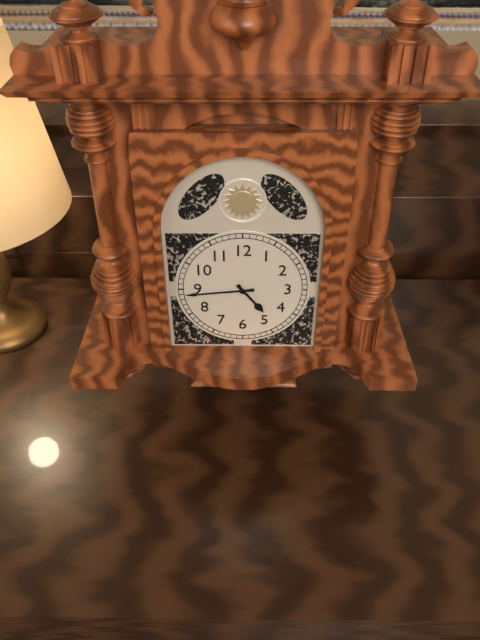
h=4 m=44
